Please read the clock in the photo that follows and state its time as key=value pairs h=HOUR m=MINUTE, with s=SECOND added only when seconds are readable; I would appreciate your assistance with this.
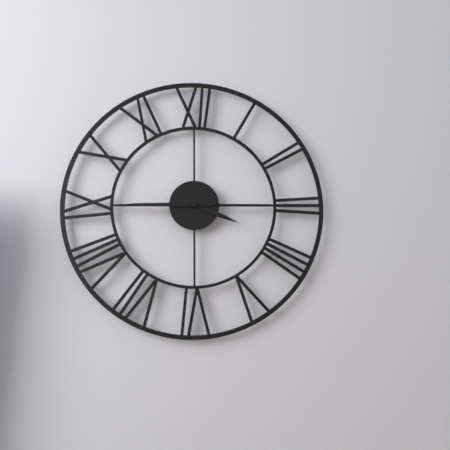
h=3 m=45 s=15
